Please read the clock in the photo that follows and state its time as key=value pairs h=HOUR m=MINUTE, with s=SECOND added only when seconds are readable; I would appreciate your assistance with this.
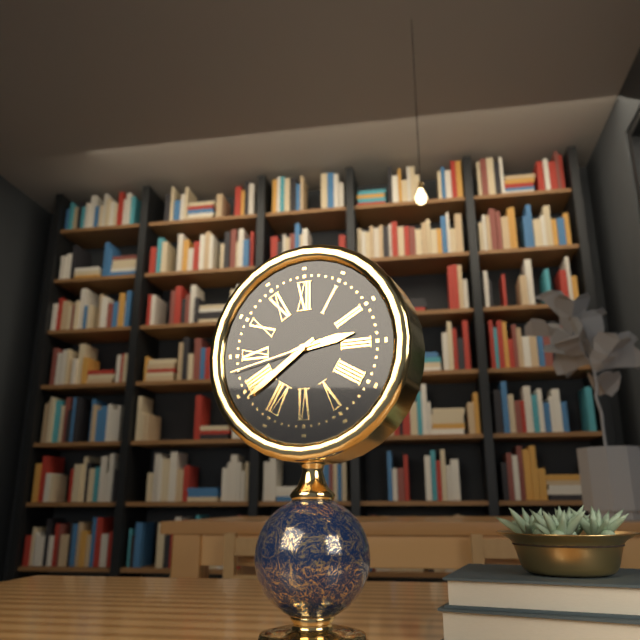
h=2 m=39 s=43
